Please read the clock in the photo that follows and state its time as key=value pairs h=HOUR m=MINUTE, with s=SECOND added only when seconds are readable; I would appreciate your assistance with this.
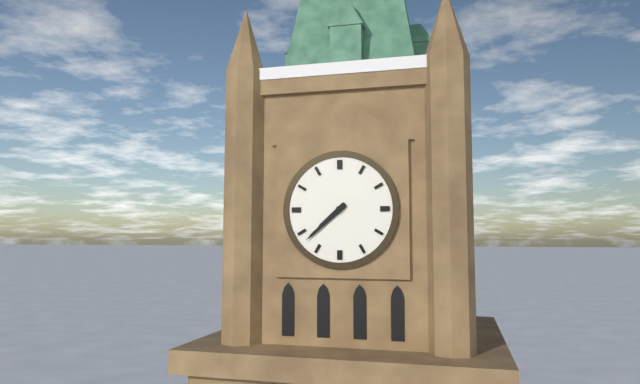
h=7 m=38
